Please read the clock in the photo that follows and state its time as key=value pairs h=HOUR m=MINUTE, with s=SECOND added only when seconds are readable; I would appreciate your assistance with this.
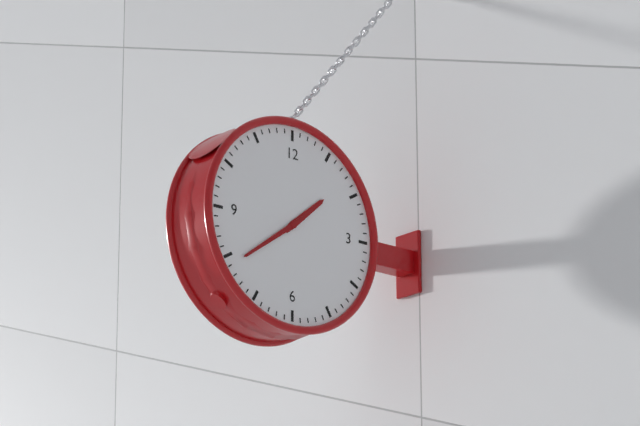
h=1 m=39
